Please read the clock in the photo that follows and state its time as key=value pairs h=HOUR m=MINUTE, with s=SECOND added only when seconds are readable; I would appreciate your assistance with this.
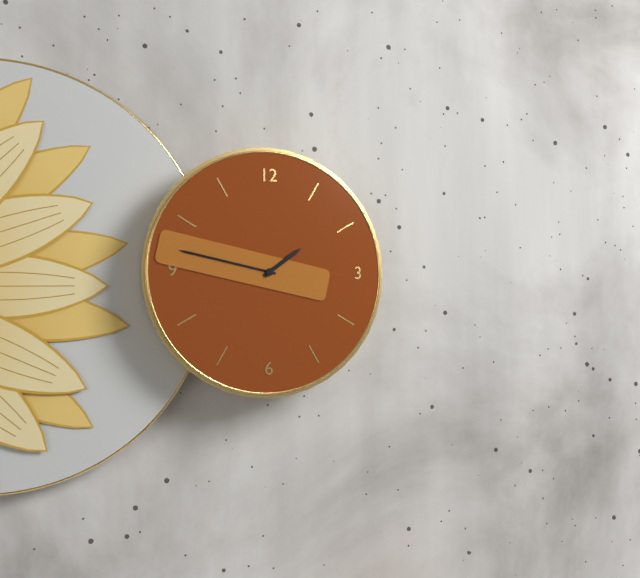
h=1 m=47
